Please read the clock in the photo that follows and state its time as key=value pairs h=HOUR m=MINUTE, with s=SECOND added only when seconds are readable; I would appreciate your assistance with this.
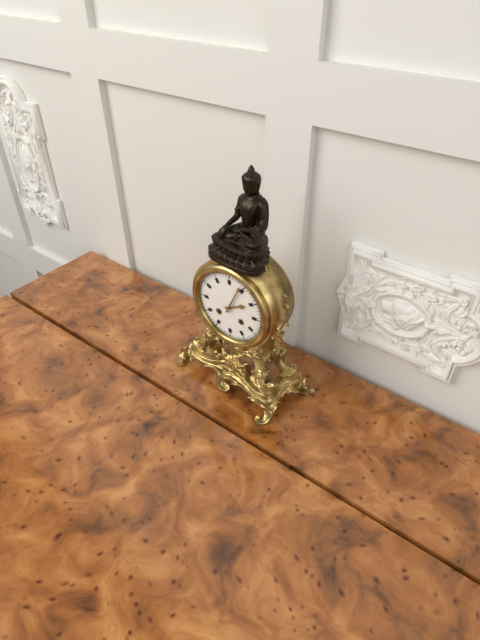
h=2 m=4
